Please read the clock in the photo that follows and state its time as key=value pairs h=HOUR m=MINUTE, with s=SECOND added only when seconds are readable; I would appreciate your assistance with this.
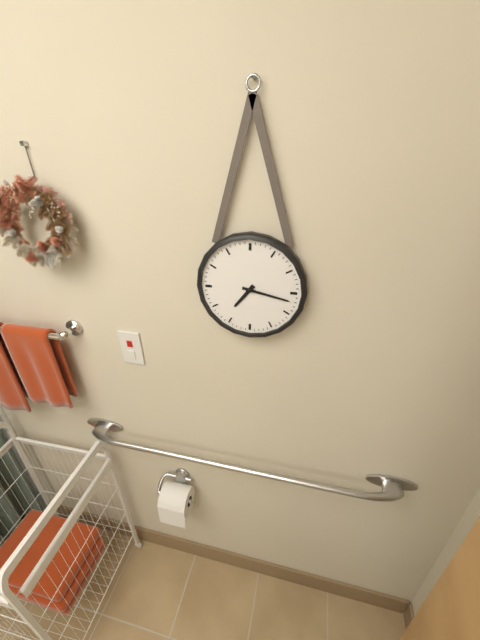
h=7 m=17
